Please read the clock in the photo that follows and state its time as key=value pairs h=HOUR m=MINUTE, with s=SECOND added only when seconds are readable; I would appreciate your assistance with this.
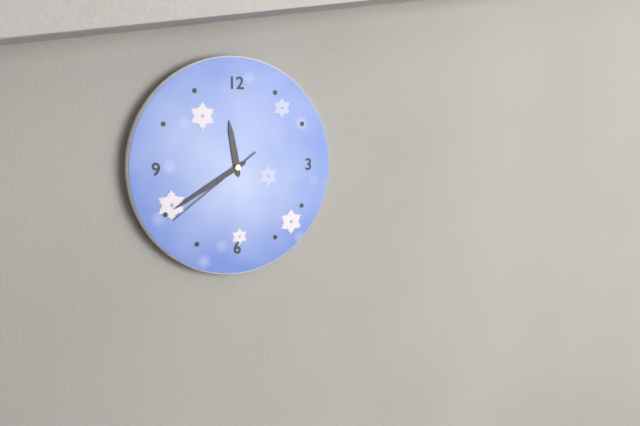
h=11 m=40 s=39
